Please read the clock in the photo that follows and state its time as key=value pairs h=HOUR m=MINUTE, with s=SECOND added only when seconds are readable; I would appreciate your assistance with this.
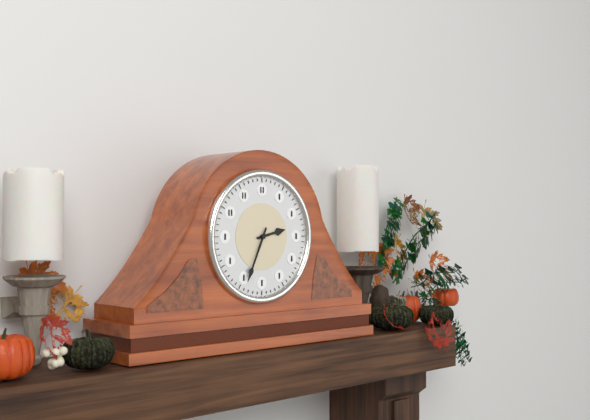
h=2 m=34
